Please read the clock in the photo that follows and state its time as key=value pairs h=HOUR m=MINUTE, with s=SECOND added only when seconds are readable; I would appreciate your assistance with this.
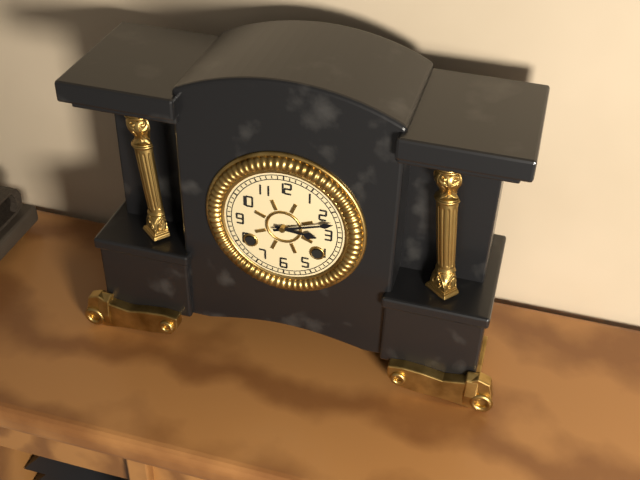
h=3 m=12
